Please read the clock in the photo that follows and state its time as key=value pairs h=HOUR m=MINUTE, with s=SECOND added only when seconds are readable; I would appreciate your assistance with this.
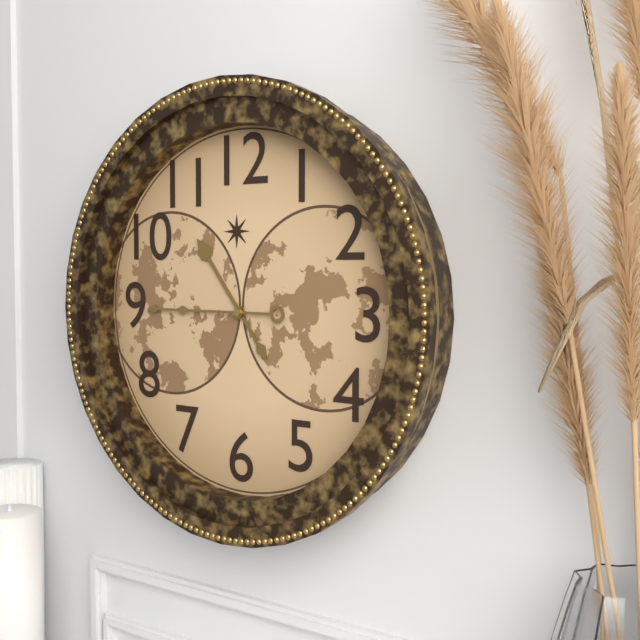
h=10 m=45
